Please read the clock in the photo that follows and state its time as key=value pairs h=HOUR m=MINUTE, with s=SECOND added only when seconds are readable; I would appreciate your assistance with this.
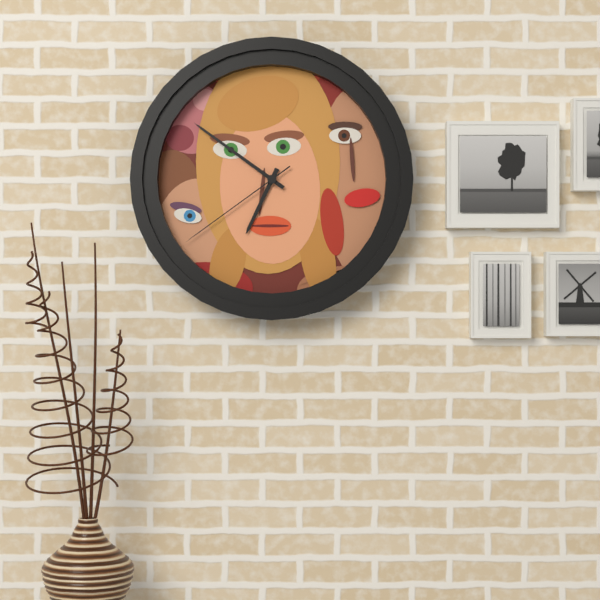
h=6 m=51 s=39
